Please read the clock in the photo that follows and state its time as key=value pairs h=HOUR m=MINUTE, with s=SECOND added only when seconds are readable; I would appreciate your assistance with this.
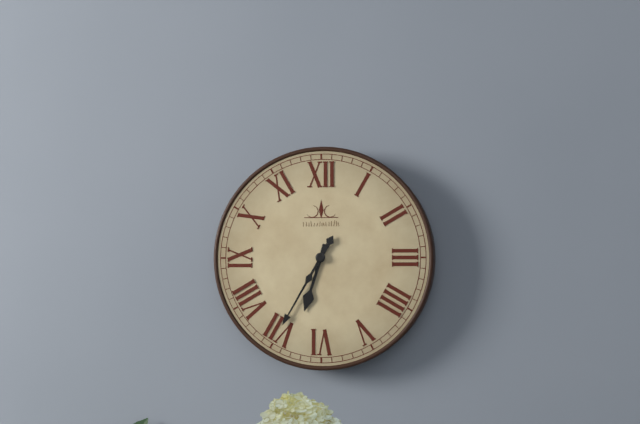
h=6 m=35
